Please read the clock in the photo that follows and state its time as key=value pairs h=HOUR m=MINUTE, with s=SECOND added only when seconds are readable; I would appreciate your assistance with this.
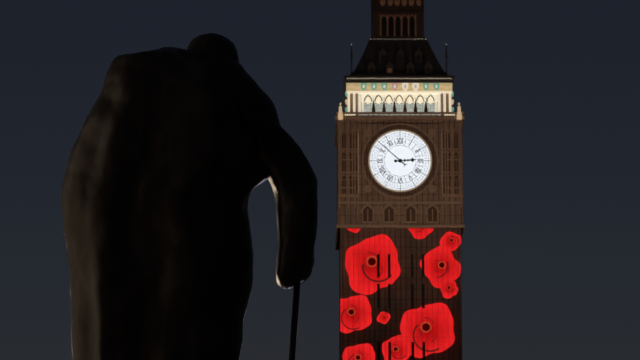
h=2 m=52
